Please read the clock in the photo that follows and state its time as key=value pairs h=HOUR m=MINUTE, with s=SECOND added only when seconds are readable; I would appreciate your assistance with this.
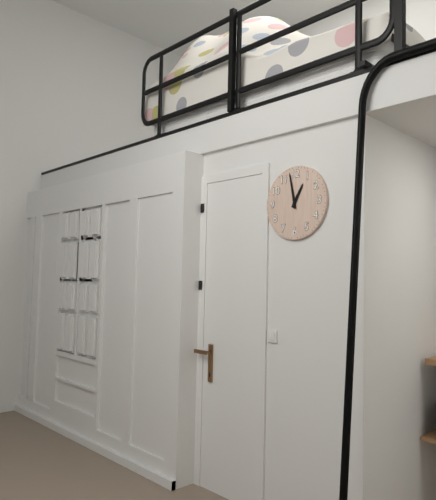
h=12 m=58
